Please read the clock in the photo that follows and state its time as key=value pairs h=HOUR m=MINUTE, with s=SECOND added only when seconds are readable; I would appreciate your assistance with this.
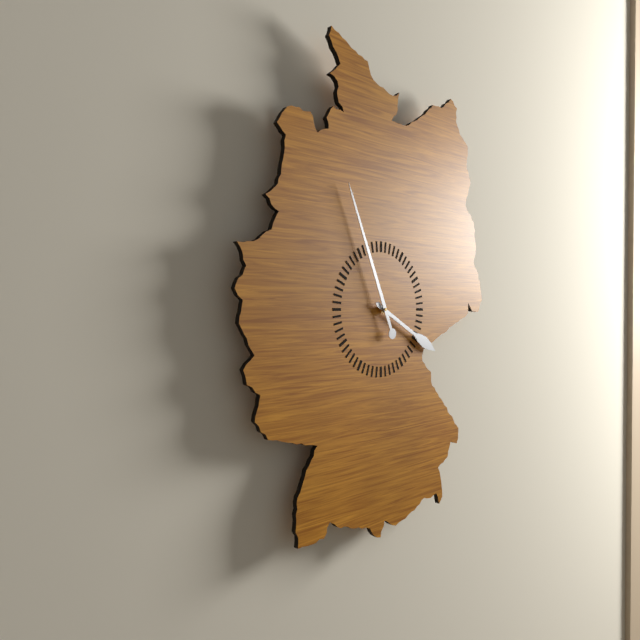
h=3 m=56
